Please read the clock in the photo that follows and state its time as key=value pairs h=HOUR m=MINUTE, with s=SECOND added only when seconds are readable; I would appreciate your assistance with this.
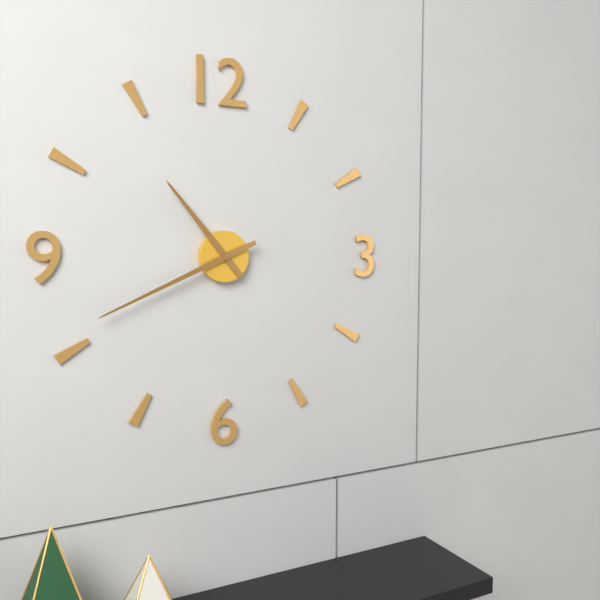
h=10 m=41
